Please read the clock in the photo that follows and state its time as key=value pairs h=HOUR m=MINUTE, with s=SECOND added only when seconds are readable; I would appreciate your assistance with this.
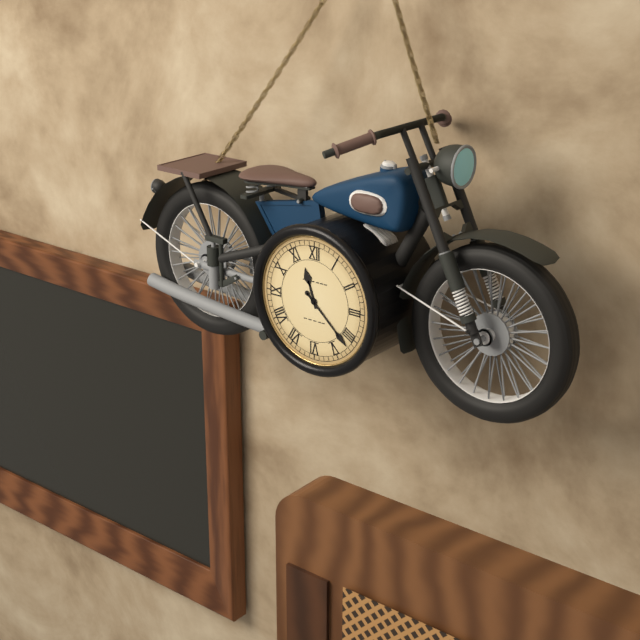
h=11 m=22
